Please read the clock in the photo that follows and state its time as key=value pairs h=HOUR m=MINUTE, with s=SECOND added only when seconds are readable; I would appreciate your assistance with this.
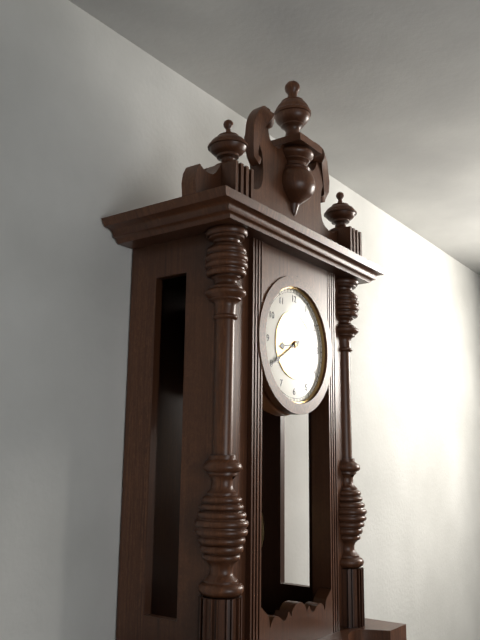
h=8 m=40
